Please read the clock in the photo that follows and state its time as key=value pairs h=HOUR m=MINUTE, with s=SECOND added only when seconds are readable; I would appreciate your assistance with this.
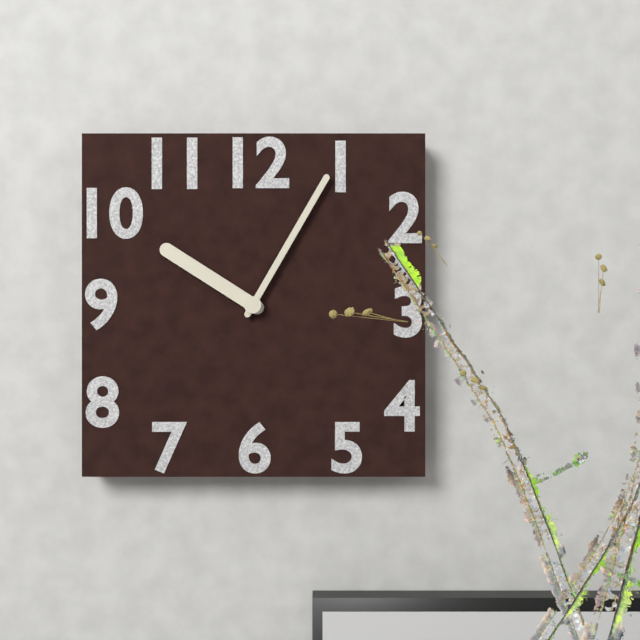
h=10 m=5
